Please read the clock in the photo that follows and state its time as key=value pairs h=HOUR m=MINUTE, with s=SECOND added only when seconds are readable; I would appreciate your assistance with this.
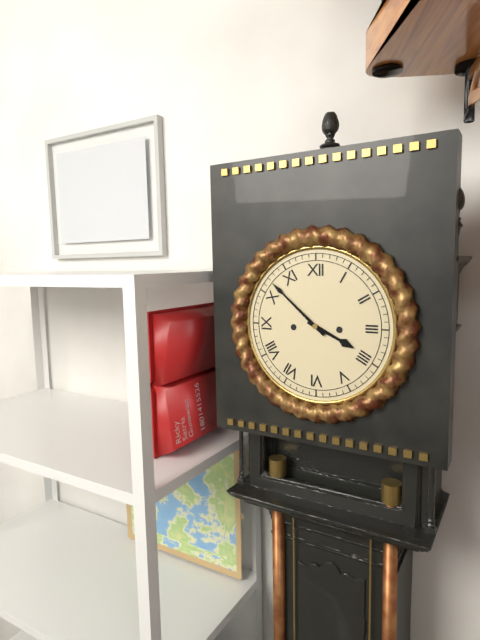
h=3 m=52
